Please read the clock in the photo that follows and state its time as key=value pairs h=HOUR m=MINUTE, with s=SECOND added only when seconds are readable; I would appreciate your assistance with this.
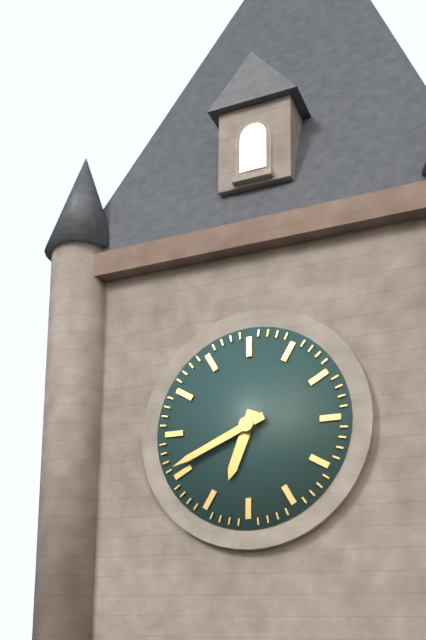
h=6 m=41
